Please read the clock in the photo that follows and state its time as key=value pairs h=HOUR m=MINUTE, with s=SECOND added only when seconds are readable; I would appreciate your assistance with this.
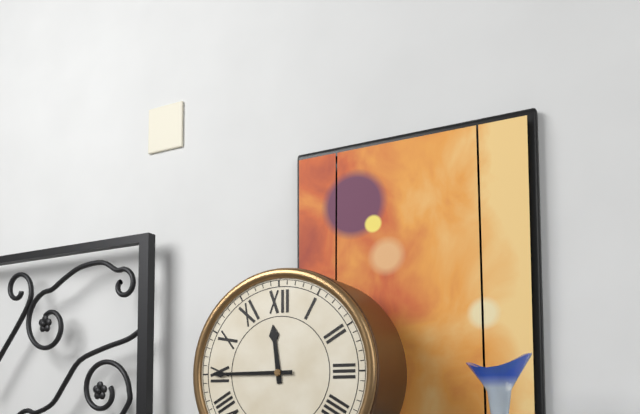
h=11 m=45
